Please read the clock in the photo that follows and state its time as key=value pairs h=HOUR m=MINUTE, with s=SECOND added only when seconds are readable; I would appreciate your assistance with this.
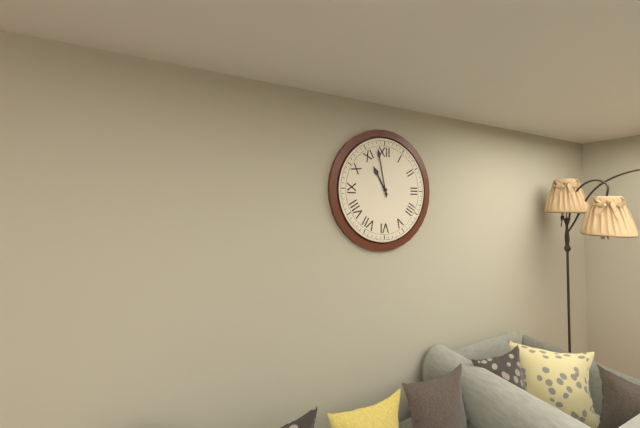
h=10 m=58
